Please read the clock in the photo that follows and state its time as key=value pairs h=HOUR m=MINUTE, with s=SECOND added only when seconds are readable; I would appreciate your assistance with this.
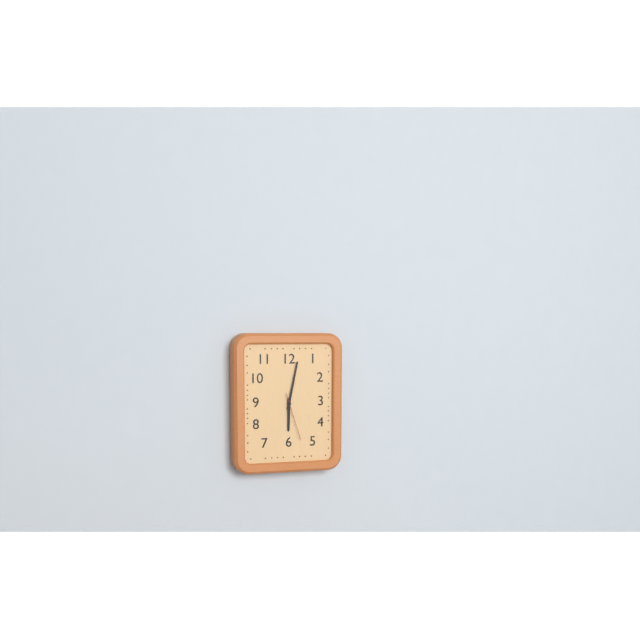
h=6 m=2
